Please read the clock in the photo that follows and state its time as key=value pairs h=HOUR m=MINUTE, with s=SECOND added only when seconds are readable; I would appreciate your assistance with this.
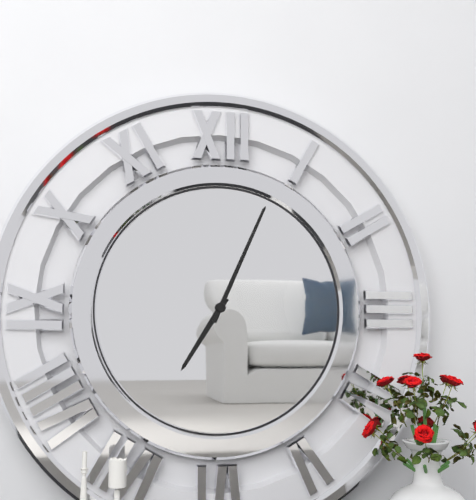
h=7 m=4
